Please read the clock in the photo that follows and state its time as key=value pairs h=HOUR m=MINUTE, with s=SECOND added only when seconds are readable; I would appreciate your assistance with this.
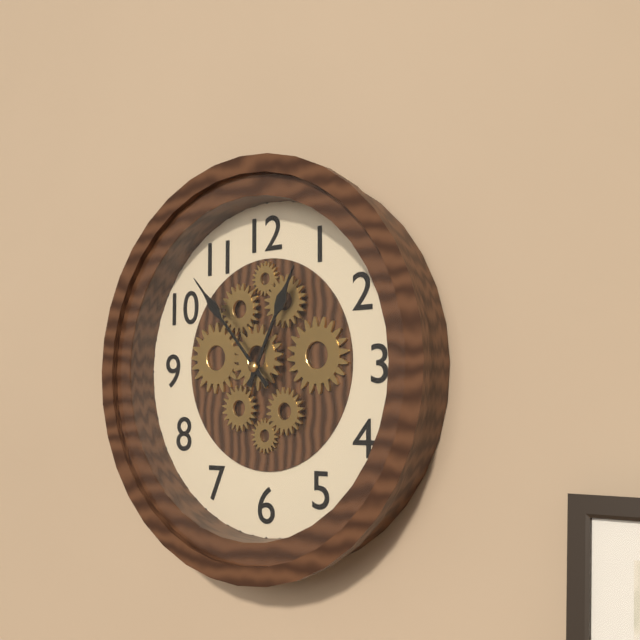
h=12 m=53
